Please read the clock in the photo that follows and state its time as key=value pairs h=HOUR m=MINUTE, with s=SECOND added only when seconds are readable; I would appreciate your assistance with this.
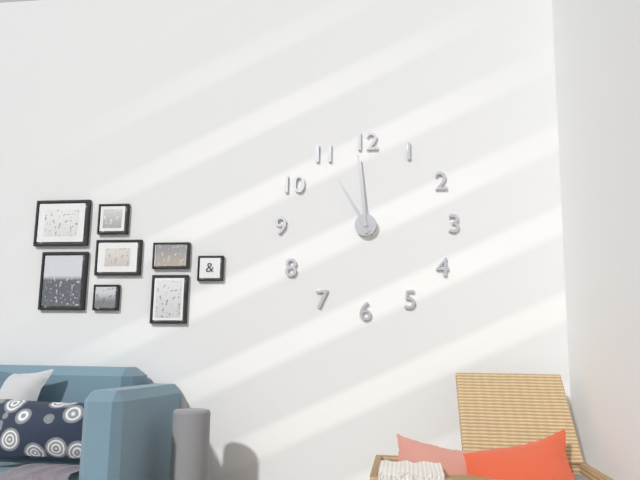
h=10 m=59
